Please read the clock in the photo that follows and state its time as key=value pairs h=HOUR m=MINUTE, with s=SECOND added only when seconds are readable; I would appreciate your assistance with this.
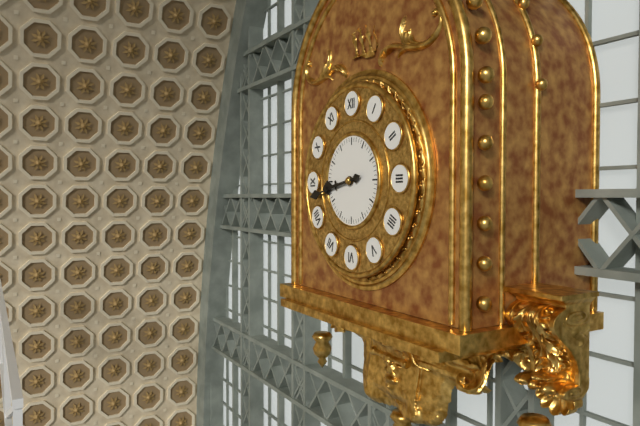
h=8 m=43
